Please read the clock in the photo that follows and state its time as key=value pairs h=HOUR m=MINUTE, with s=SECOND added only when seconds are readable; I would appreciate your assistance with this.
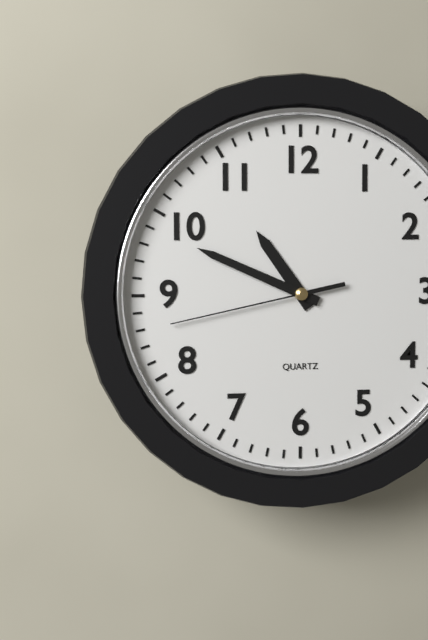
h=10 m=49 s=43
